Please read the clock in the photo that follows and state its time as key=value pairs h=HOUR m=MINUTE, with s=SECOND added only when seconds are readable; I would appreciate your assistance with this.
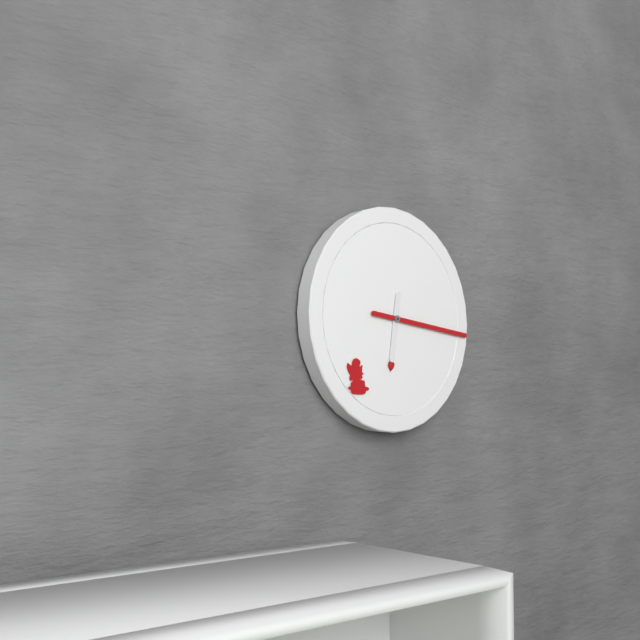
h=6 m=16
